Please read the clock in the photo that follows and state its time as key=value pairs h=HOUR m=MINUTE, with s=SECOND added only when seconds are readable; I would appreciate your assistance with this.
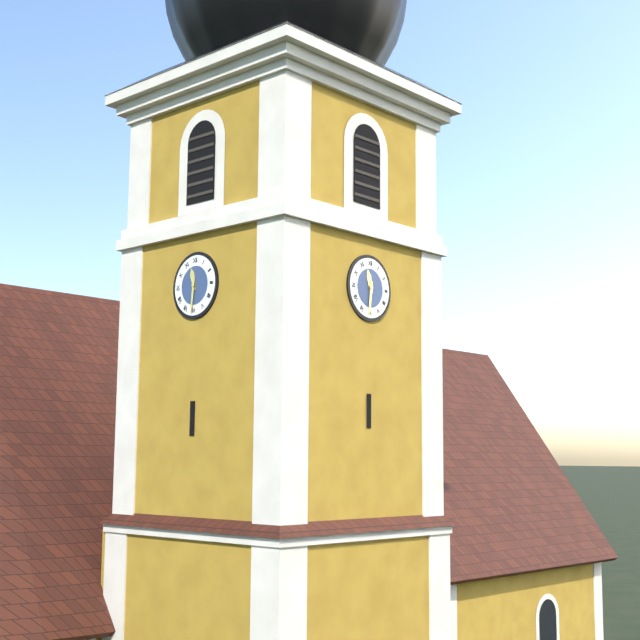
h=11 m=31
